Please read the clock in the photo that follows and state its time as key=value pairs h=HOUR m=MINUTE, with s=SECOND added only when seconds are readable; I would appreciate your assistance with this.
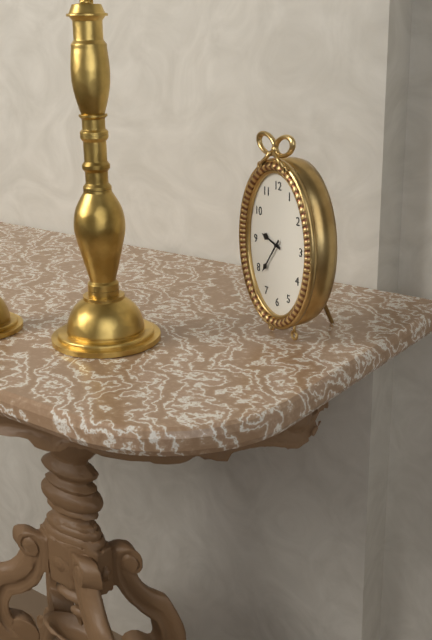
h=9 m=36
